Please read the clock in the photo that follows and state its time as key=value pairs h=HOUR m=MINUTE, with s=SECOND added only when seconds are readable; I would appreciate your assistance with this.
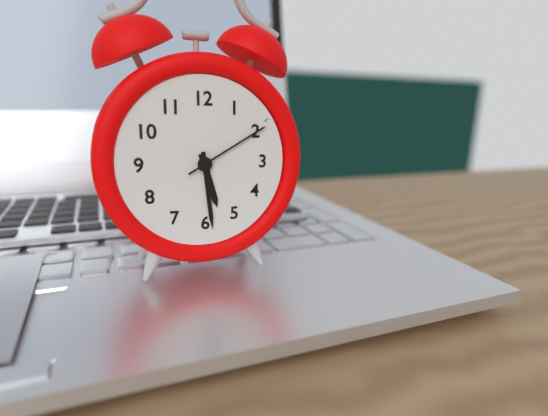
h=5 m=29 s=10
